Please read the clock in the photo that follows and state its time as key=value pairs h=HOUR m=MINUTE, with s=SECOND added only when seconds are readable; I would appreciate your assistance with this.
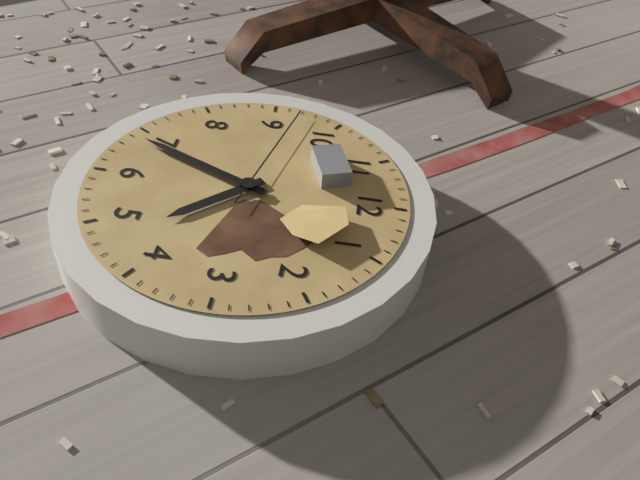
h=4 m=34 s=47
